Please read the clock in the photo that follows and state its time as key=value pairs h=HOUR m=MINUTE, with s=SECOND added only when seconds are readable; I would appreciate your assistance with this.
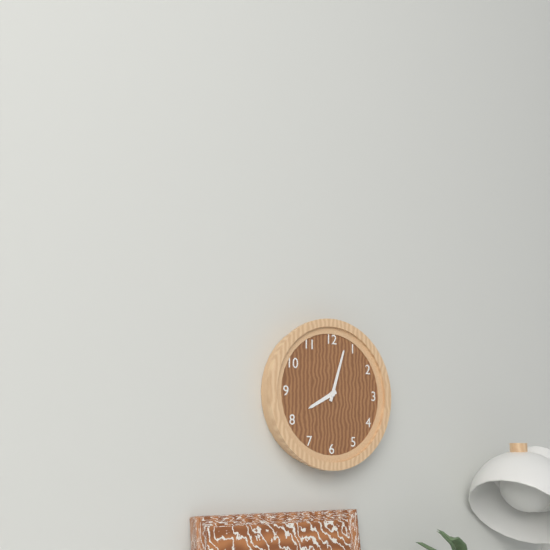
h=8 m=3
